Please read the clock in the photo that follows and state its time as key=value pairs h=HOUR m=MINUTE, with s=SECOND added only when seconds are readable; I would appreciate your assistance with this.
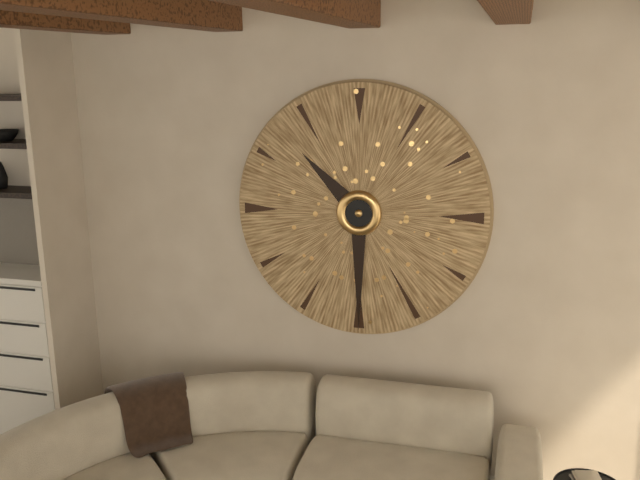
h=10 m=30
